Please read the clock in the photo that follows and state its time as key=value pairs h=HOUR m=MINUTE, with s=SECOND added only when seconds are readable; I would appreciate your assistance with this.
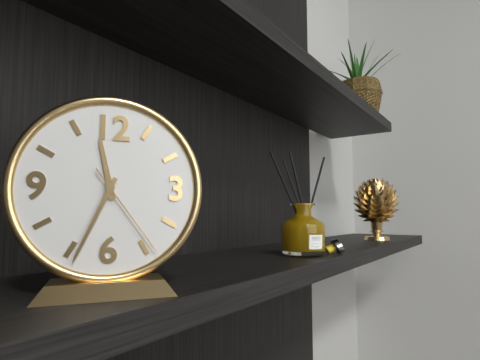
h=11 m=34 s=24
